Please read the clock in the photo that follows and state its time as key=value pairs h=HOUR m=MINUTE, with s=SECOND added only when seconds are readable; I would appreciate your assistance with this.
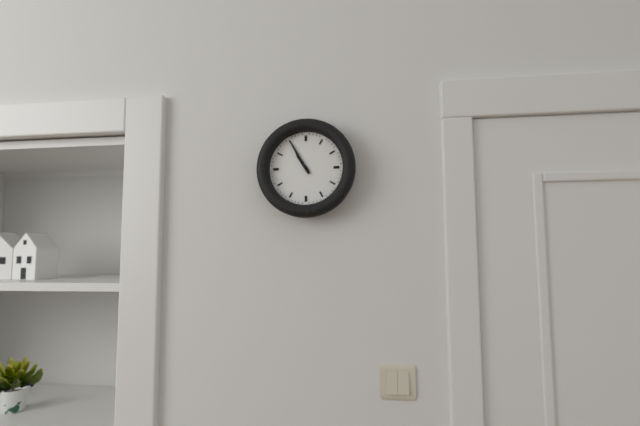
h=10 m=55
